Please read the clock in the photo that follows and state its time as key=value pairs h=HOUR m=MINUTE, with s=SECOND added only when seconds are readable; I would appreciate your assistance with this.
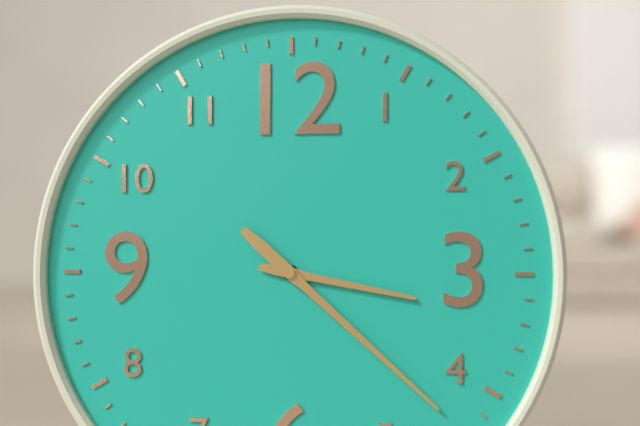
h=3 m=22
